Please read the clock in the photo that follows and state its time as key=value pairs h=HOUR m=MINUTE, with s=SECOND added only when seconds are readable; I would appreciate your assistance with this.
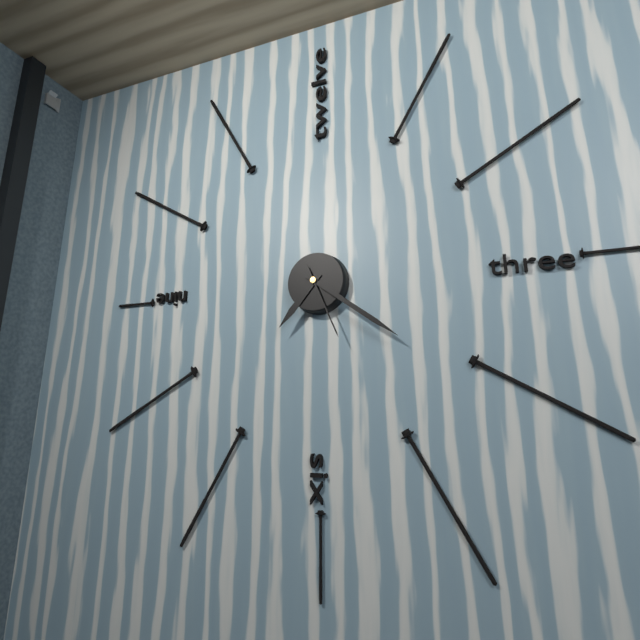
h=7 m=21 s=26
